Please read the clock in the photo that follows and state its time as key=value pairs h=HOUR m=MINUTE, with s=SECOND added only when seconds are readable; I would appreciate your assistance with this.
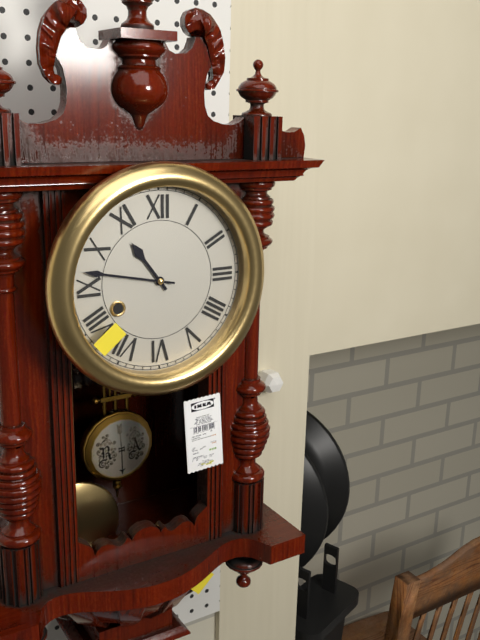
h=10 m=47
